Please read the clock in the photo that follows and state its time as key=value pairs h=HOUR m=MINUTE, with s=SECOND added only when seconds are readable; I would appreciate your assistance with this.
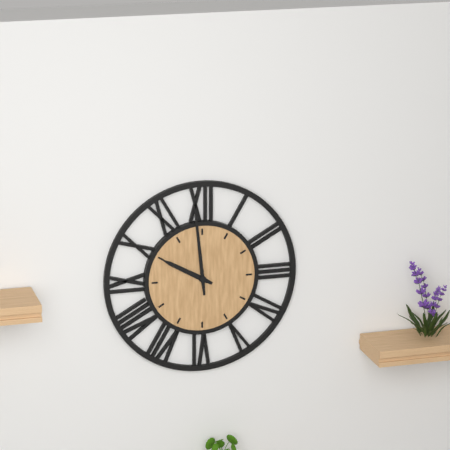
h=9 m=59
